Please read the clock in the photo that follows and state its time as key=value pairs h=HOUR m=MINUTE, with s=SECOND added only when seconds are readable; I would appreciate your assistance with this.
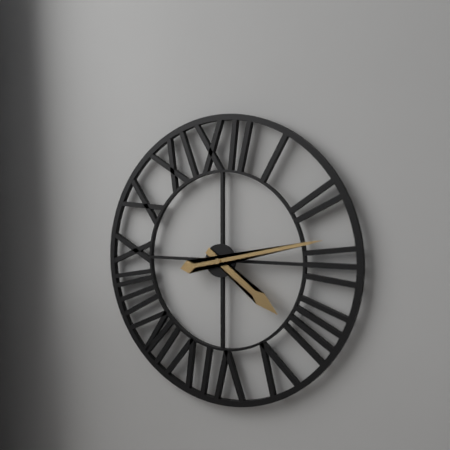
h=4 m=13
